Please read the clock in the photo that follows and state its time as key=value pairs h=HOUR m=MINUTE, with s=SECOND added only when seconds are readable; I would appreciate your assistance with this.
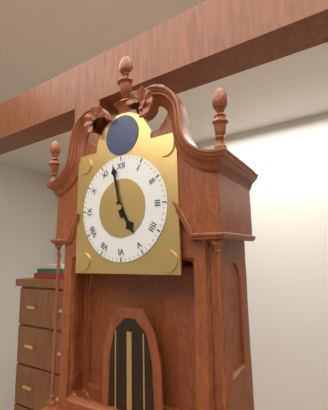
h=4 m=58
